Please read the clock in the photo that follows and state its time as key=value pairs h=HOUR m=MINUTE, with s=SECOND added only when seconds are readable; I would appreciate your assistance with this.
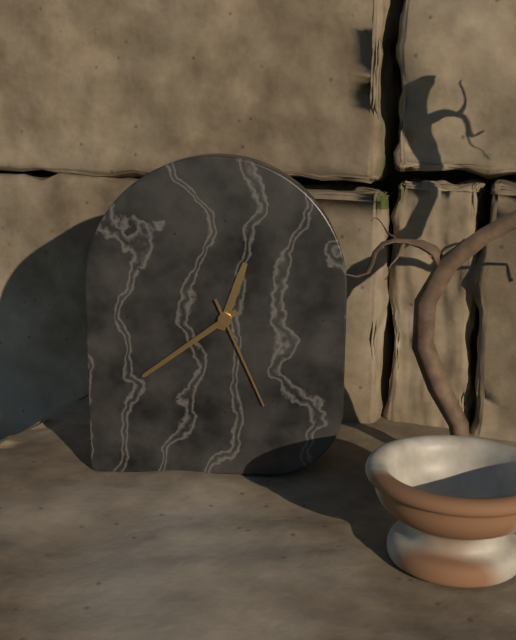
h=12 m=39 s=26
